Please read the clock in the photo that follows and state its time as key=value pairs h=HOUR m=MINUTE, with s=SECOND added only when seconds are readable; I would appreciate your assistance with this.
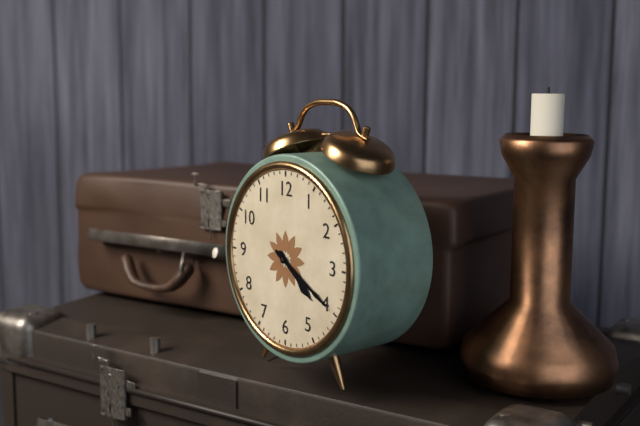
h=4 m=20
